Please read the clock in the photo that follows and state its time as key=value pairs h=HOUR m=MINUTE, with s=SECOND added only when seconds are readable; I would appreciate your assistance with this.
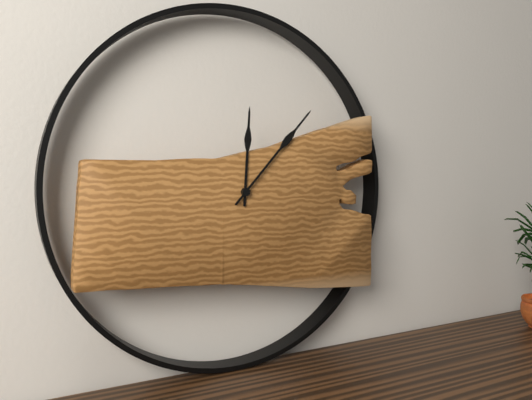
h=12 m=7
